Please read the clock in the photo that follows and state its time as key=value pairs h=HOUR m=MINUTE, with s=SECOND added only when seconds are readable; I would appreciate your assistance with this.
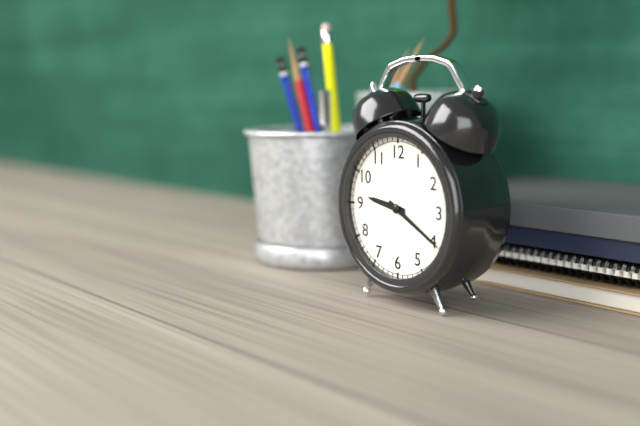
h=9 m=20
